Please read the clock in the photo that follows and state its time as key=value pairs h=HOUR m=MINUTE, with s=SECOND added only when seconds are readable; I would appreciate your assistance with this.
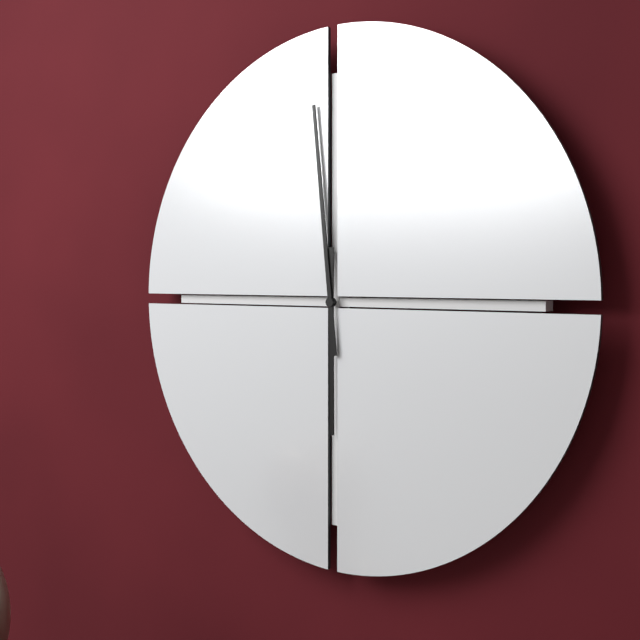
h=5 m=59
